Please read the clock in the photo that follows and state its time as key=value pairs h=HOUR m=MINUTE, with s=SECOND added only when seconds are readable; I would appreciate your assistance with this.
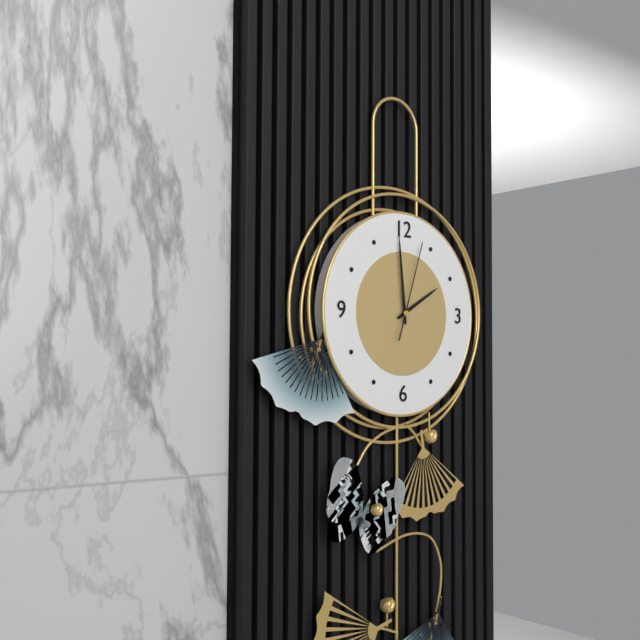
h=1 m=59 s=3
